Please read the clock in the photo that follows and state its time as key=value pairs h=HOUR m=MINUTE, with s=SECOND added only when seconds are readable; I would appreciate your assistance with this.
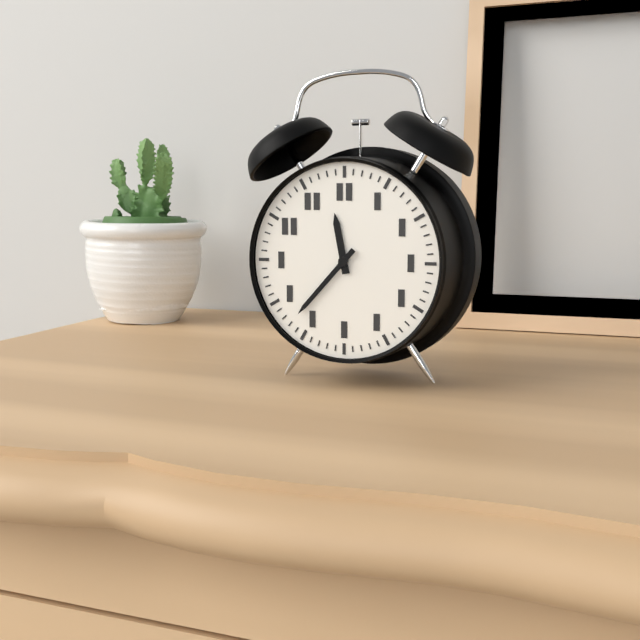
h=11 m=37
